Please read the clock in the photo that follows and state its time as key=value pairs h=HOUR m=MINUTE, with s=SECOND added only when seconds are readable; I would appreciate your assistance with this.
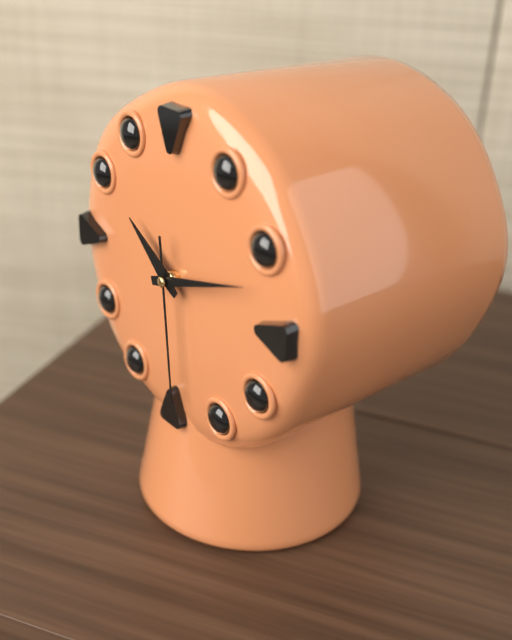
h=10 m=12 s=29
